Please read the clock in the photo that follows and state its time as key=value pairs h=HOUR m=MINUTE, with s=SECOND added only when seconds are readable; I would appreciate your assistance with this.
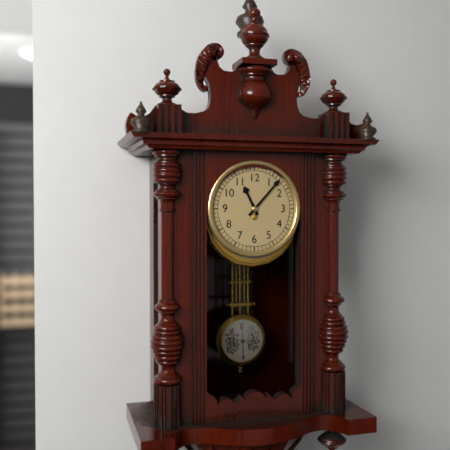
h=11 m=7
